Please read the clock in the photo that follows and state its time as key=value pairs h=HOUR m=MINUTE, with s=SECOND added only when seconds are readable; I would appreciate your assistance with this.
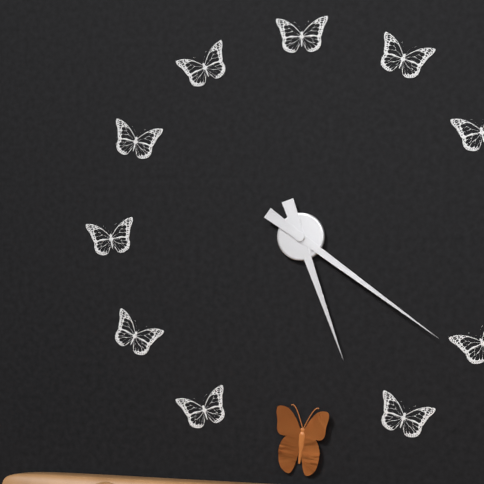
h=5 m=21
